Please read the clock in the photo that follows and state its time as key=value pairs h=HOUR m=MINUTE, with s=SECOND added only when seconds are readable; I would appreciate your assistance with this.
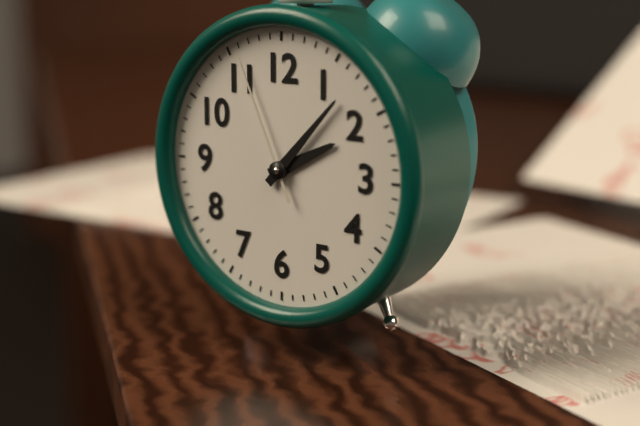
h=2 m=7 s=56
